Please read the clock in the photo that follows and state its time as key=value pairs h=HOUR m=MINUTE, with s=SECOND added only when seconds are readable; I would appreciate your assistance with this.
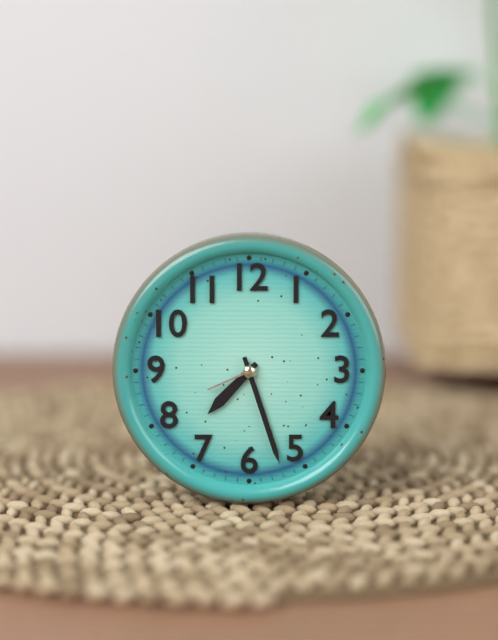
h=7 m=27 s=41
